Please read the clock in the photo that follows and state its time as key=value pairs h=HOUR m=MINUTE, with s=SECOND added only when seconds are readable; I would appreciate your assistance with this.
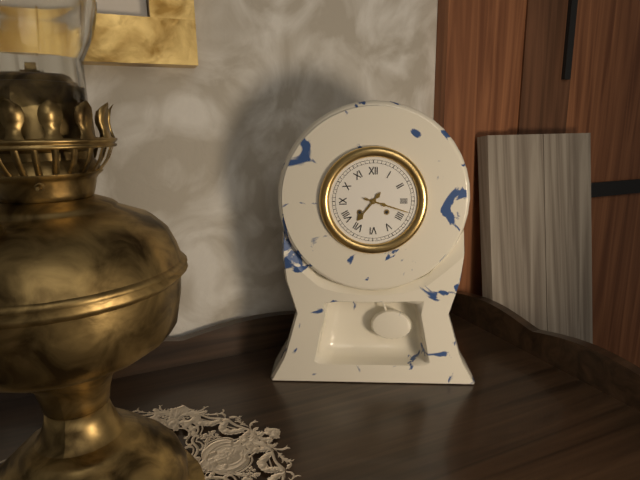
h=7 m=18
